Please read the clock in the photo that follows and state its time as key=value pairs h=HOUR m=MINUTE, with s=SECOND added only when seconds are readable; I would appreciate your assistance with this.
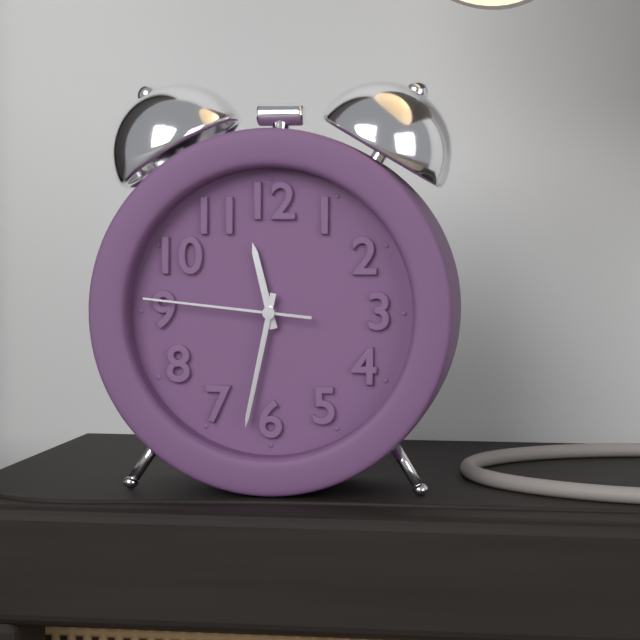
h=11 m=32 s=46
